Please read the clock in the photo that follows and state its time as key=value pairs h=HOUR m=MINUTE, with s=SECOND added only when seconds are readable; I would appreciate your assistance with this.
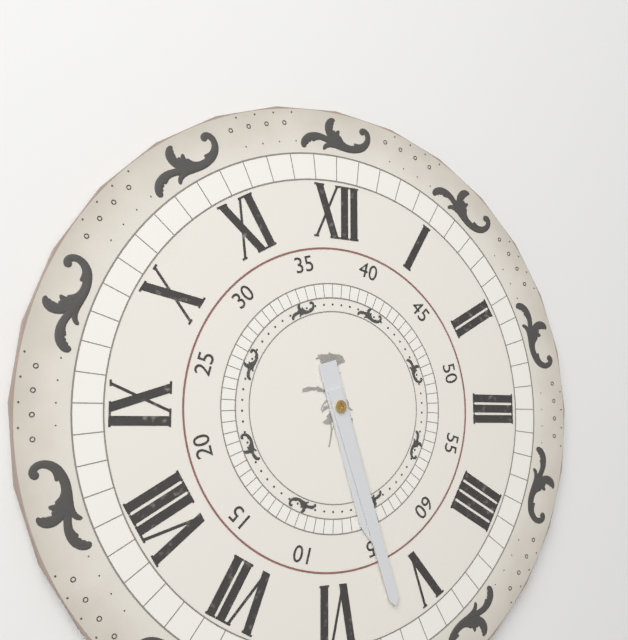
h=5 m=27
